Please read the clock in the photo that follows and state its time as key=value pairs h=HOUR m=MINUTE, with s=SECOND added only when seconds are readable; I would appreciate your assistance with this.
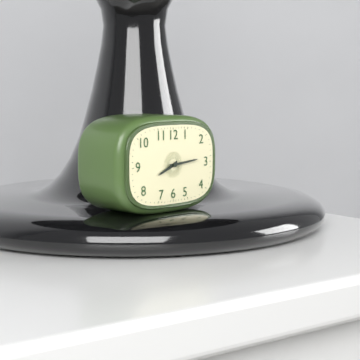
h=8 m=14
